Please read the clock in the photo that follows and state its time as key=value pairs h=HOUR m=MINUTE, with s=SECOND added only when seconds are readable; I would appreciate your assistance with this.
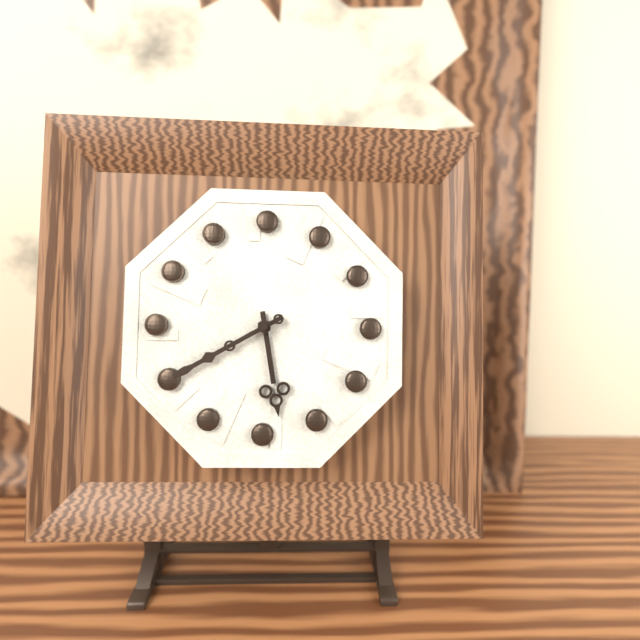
h=5 m=40
